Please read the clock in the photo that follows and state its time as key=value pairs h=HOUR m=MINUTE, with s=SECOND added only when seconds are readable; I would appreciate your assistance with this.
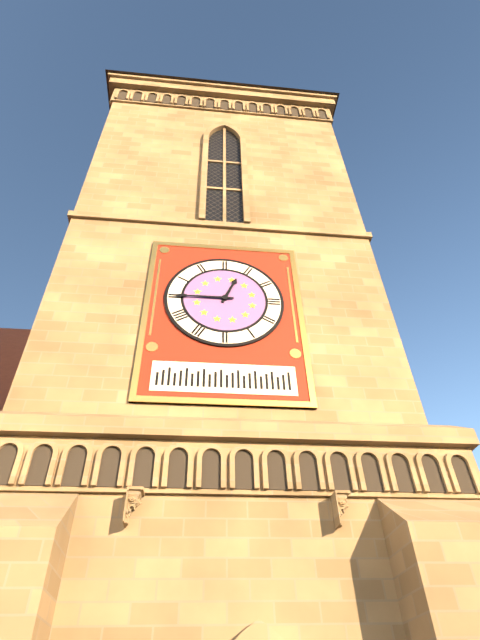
h=12 m=45
